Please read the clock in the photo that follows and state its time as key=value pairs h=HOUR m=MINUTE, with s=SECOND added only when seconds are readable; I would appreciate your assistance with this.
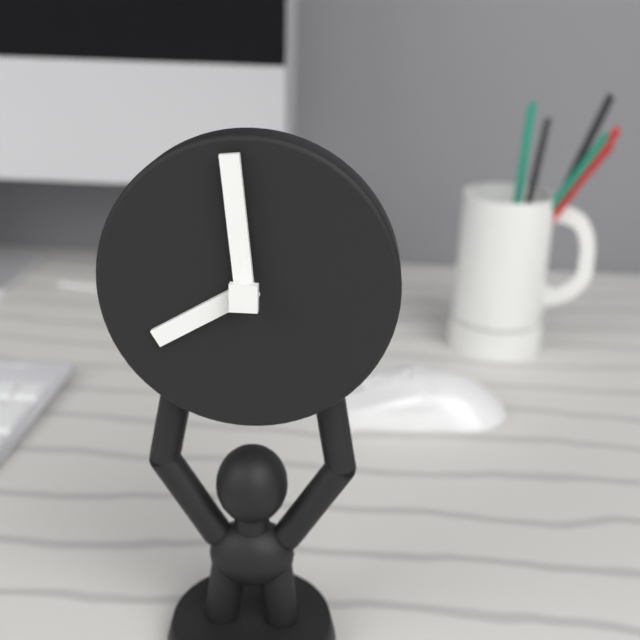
h=7 m=59
